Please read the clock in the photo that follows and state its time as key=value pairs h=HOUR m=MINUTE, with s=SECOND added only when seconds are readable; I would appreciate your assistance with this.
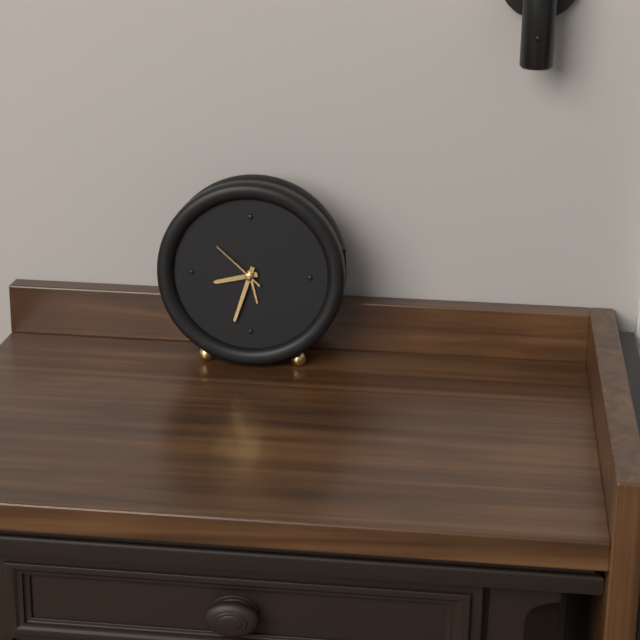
h=8 m=33 s=52
